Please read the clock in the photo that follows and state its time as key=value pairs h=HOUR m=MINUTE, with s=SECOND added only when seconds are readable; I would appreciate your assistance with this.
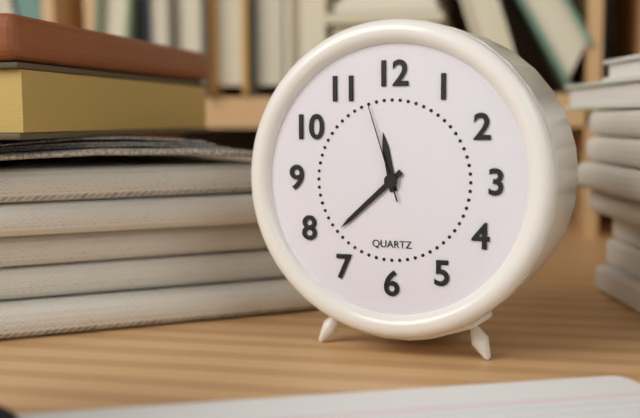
h=11 m=38 s=57
